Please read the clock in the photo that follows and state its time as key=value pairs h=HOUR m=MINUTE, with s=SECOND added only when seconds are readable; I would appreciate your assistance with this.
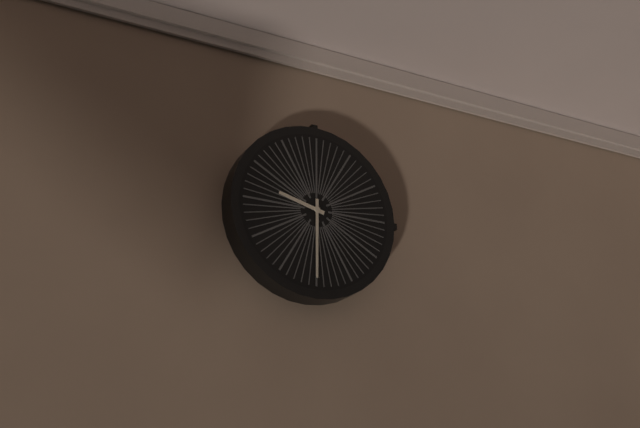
h=9 m=30
